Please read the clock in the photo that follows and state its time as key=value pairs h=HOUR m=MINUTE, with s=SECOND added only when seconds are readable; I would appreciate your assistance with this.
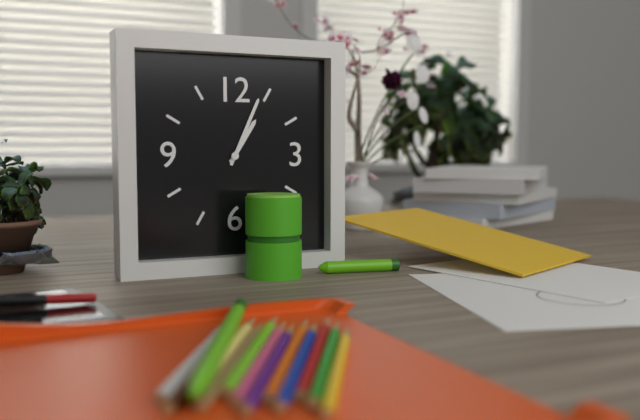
h=1 m=4
